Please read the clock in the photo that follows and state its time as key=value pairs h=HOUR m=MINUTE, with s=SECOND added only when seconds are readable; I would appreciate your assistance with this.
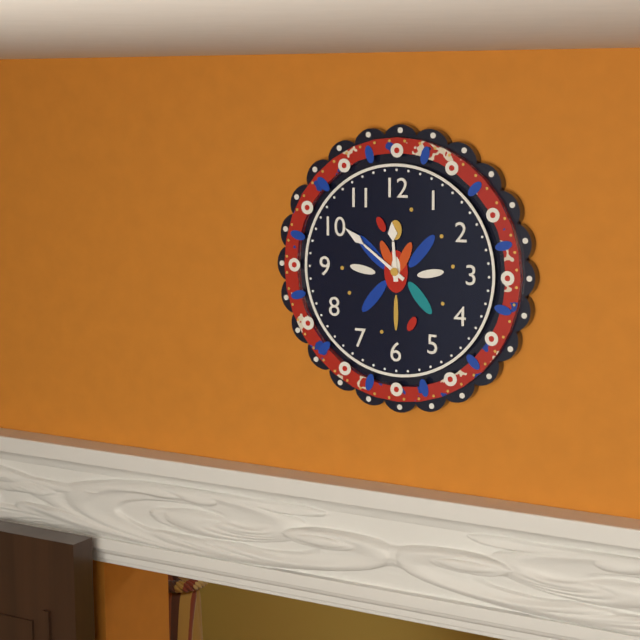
h=11 m=51
